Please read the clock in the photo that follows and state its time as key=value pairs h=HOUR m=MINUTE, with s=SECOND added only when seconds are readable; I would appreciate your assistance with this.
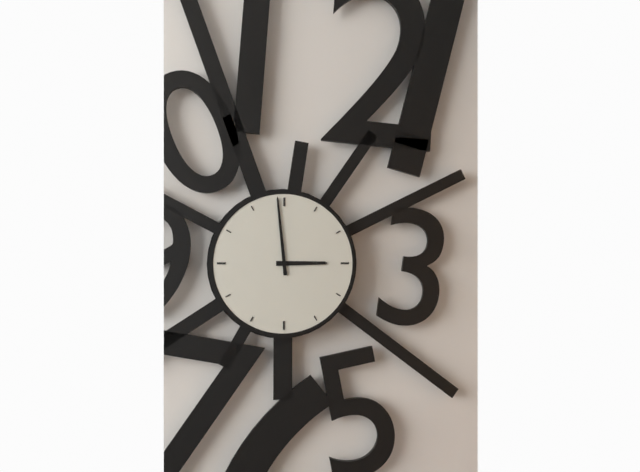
h=2 m=59
